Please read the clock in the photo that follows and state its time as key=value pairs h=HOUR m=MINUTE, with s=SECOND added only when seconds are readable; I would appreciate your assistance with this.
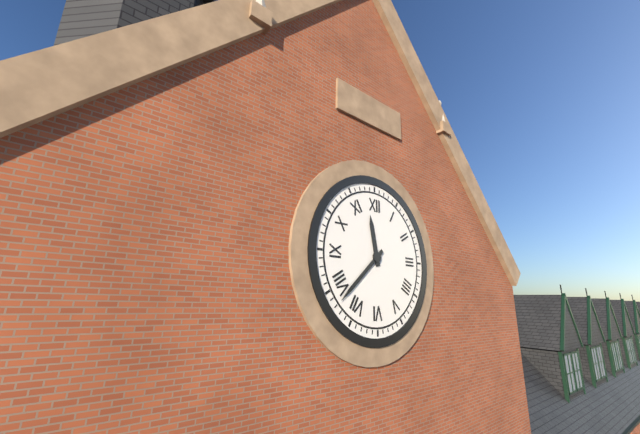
h=11 m=38
